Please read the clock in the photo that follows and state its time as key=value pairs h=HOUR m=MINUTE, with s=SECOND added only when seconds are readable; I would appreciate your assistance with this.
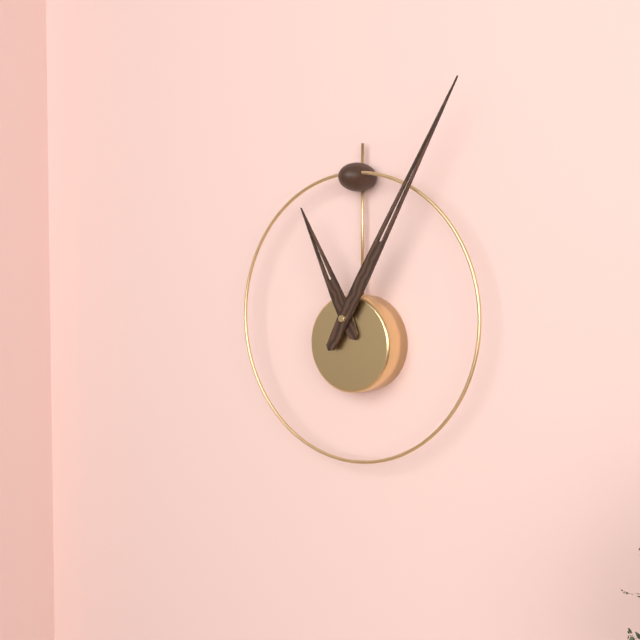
h=11 m=5
